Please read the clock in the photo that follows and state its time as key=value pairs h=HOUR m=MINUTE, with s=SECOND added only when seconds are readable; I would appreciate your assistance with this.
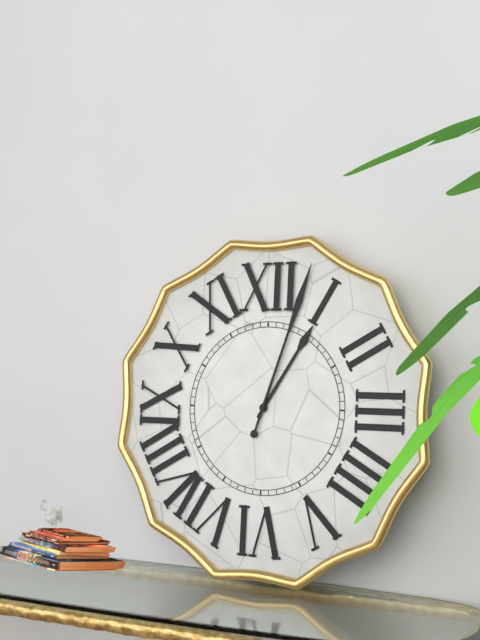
h=1 m=3
